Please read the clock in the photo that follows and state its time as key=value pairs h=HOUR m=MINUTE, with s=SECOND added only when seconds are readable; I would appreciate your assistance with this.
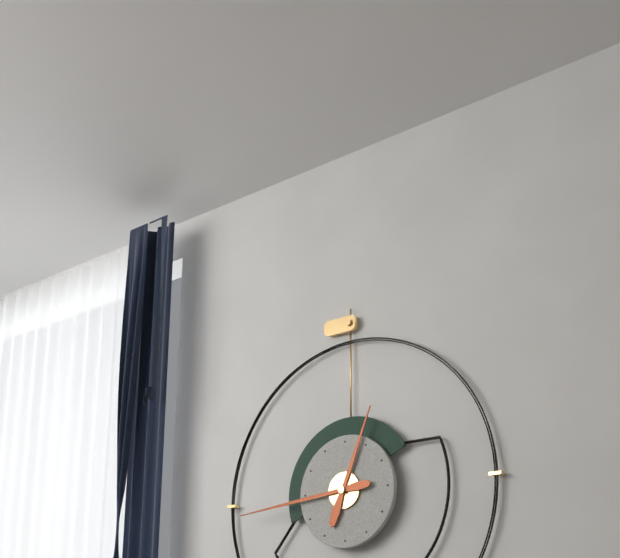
h=12 m=44
